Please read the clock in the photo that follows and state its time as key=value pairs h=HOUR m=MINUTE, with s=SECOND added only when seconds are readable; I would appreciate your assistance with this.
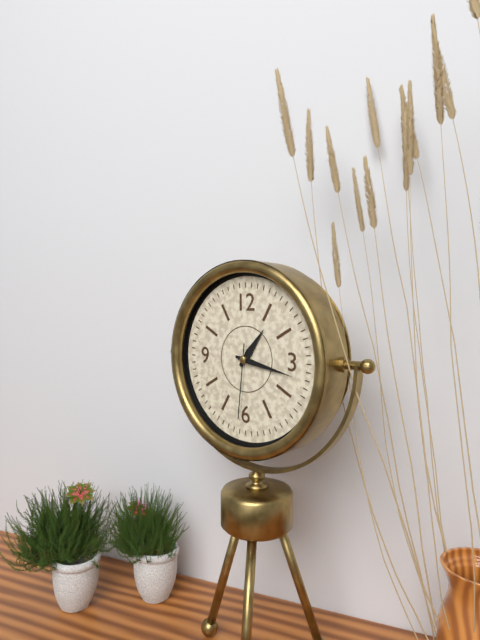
h=1 m=17 s=31
